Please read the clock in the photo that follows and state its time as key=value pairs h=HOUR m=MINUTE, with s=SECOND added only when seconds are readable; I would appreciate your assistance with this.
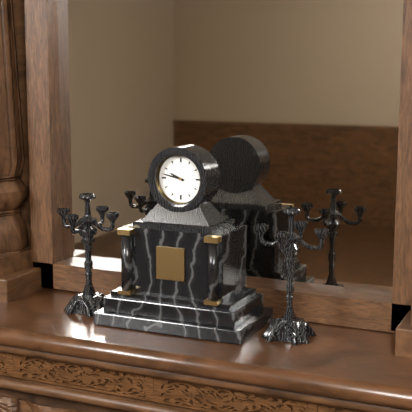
h=9 m=47
